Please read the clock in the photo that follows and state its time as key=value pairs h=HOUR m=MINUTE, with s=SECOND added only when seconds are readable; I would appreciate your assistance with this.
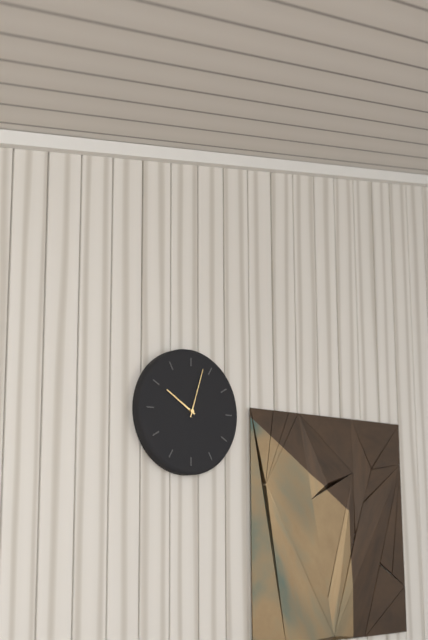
h=10 m=3
